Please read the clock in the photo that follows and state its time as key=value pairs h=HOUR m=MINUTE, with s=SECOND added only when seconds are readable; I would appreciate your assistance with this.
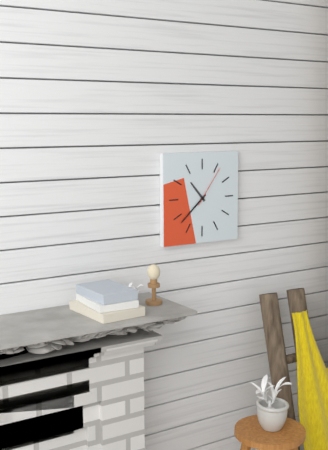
h=10 m=38
